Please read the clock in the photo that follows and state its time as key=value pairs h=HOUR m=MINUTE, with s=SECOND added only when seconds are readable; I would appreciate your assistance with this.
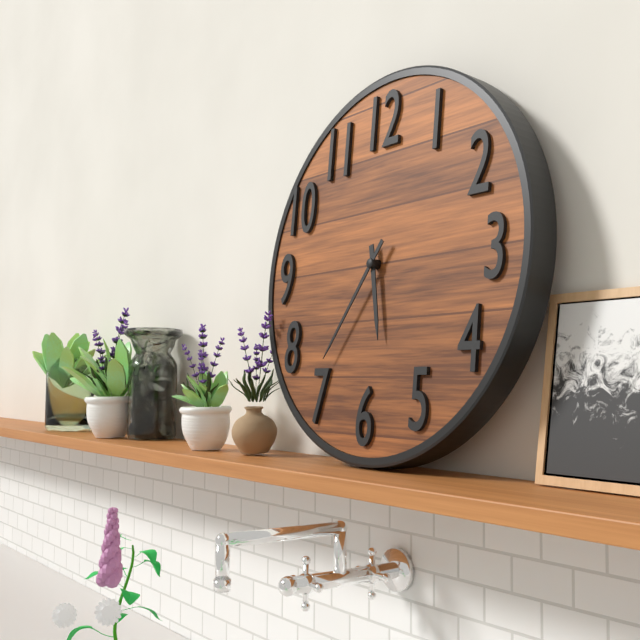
h=5 m=36
